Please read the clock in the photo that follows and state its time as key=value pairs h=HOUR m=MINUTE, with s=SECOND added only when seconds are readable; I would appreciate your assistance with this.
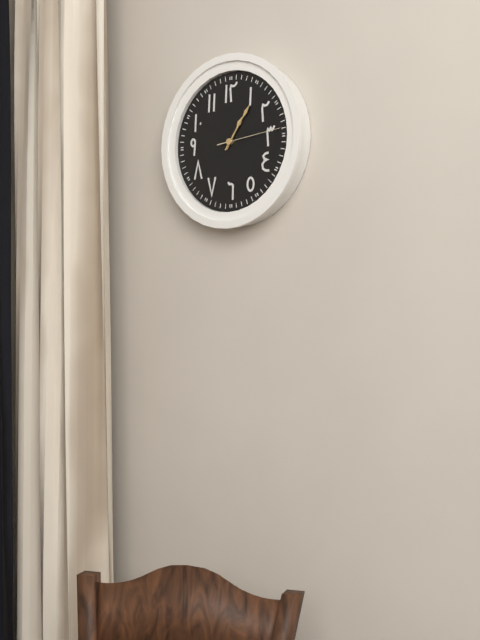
h=1 m=6 s=14
